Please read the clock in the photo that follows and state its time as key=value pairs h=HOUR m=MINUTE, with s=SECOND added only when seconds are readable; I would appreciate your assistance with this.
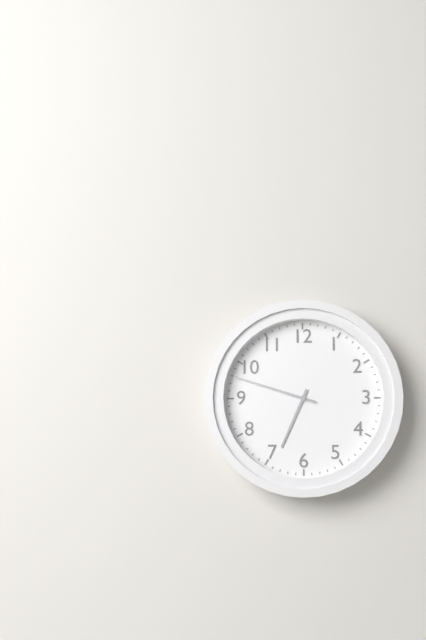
h=6 m=48
